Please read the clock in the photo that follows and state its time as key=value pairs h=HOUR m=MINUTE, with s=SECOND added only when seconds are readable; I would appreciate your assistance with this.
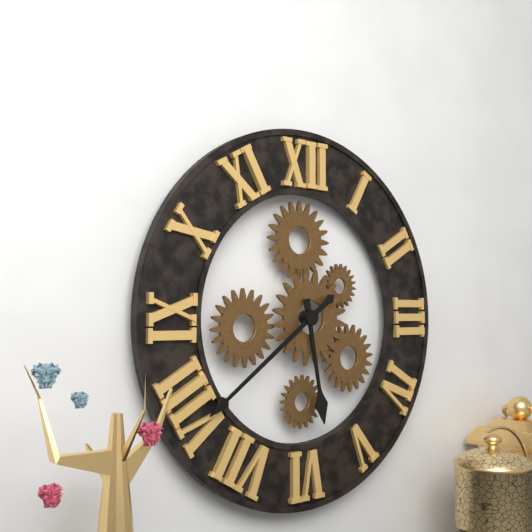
h=5 m=39
